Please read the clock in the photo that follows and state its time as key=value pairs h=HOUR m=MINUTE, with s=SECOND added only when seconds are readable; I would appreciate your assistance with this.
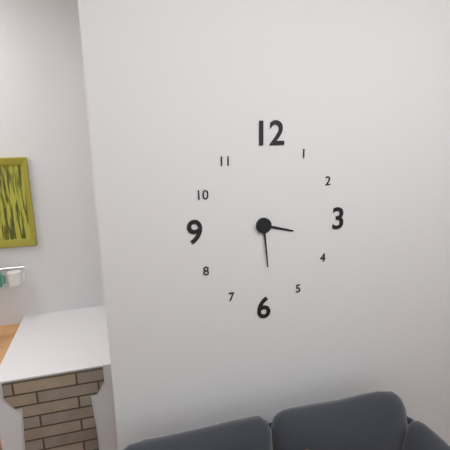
h=3 m=29
